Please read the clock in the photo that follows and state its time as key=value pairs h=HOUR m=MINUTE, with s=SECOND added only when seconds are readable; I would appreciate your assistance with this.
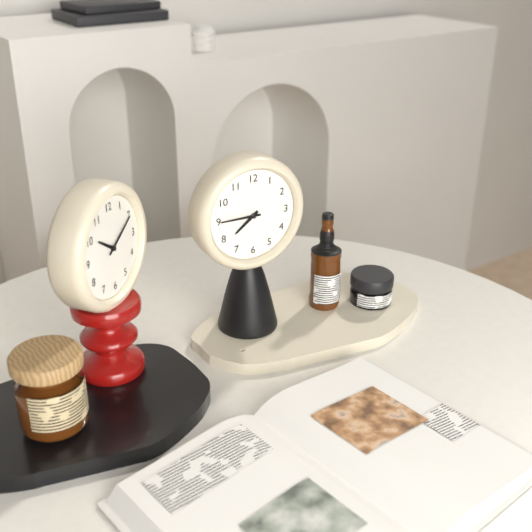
h=7 m=45
